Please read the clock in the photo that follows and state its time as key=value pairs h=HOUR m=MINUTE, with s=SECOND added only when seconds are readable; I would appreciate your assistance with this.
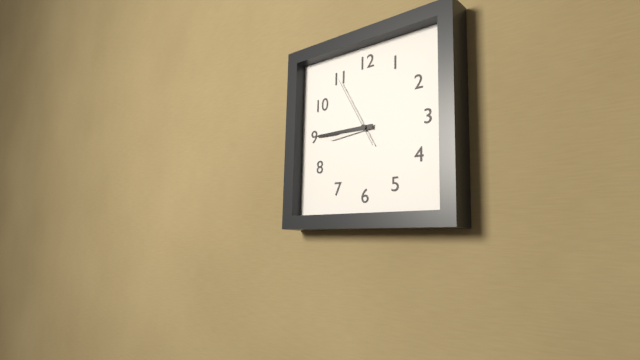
h=8 m=45 s=55
